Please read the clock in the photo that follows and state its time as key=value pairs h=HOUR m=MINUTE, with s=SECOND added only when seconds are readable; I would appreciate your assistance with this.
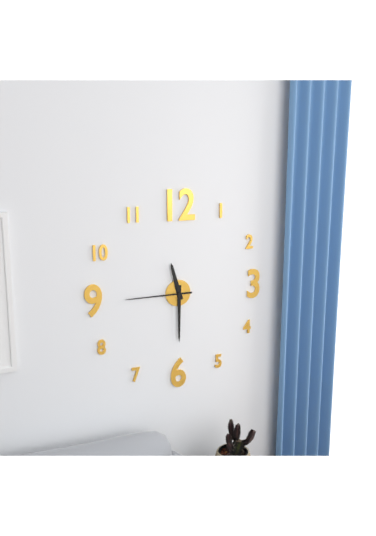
h=11 m=30 s=45
